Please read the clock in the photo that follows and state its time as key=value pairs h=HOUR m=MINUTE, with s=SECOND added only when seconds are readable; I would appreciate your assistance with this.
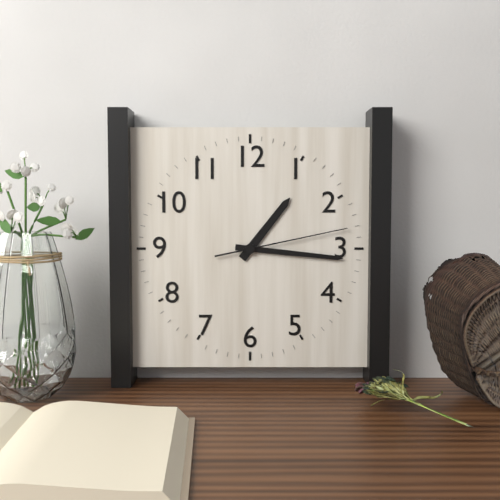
h=1 m=16 s=13
